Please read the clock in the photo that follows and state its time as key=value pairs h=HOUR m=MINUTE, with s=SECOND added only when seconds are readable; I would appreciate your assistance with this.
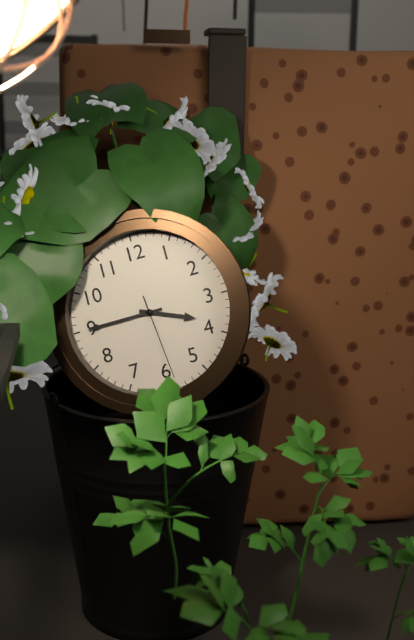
h=3 m=45 s=29
